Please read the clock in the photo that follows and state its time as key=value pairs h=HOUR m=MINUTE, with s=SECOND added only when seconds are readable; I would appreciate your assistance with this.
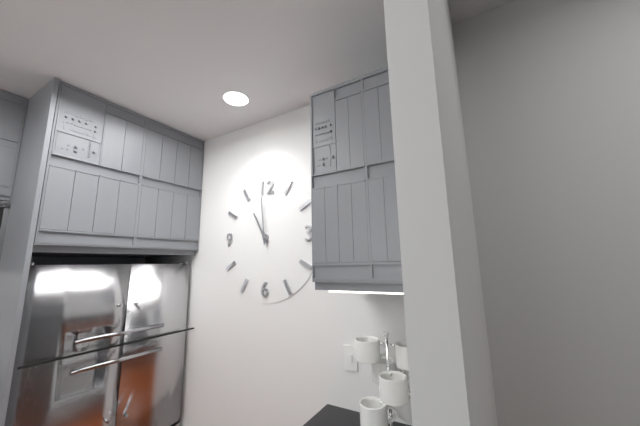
h=10 m=59
